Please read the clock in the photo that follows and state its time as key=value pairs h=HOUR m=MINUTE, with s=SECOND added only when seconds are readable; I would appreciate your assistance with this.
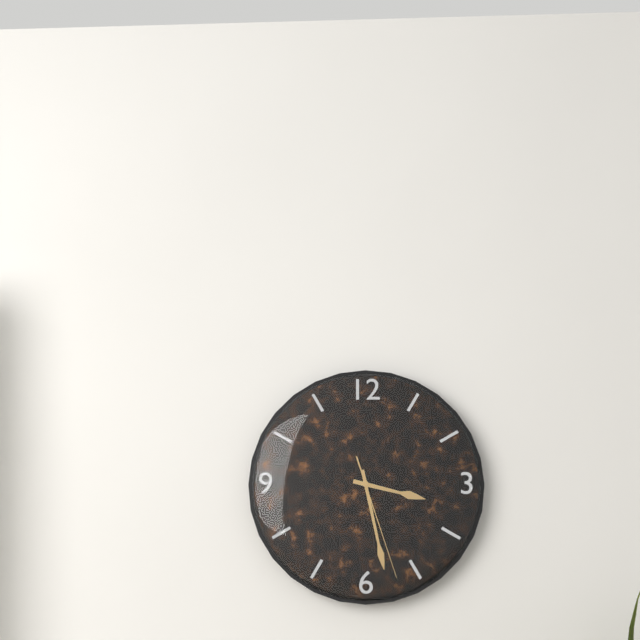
h=3 m=28 s=27
